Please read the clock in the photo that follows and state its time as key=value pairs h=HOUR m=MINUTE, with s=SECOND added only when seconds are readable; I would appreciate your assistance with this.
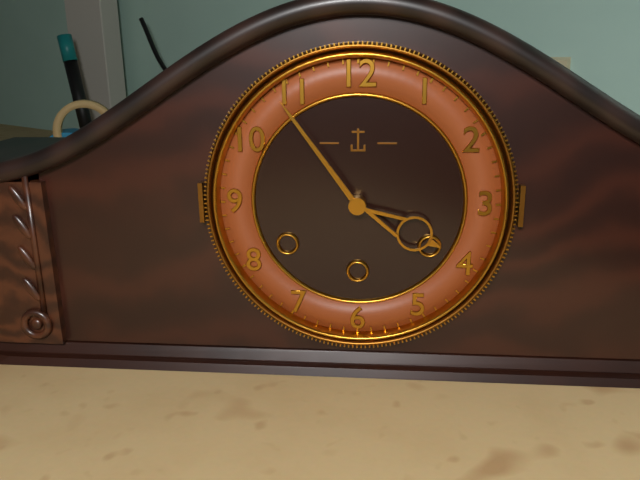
h=3 m=54
